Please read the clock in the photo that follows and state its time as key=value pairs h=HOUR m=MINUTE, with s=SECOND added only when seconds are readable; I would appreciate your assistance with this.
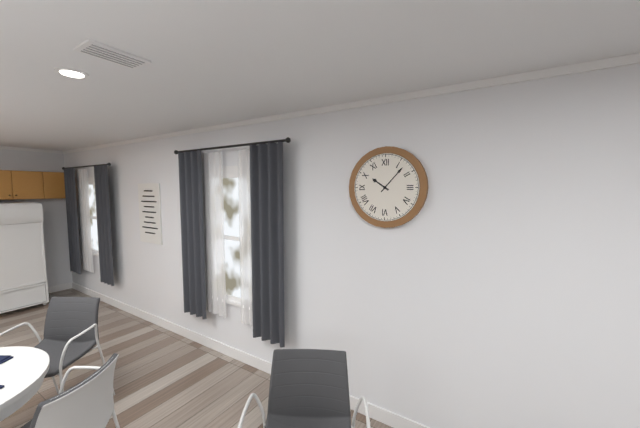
h=10 m=7
